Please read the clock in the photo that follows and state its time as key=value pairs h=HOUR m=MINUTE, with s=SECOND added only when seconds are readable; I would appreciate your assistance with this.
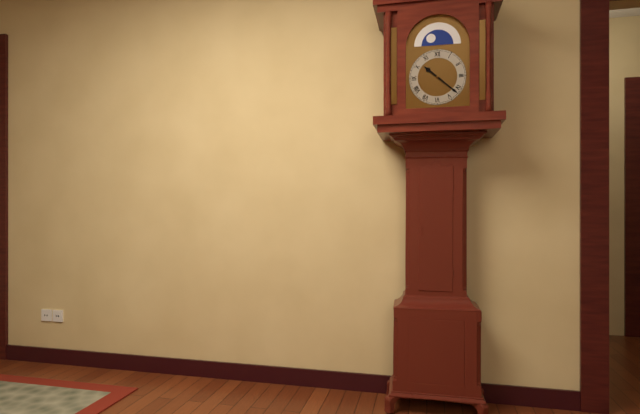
h=10 m=22
